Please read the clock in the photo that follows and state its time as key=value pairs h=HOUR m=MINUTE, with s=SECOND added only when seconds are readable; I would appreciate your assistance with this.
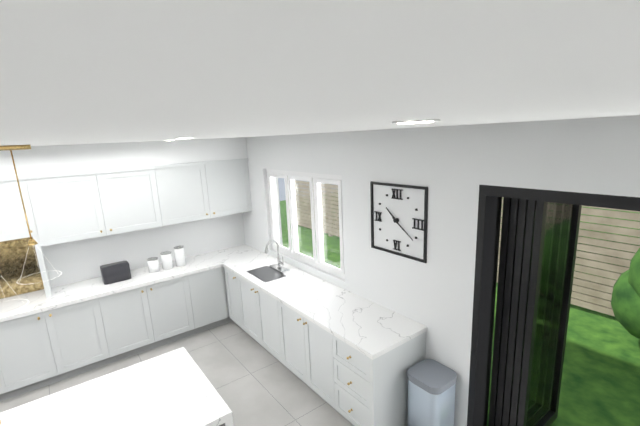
h=10 m=21
